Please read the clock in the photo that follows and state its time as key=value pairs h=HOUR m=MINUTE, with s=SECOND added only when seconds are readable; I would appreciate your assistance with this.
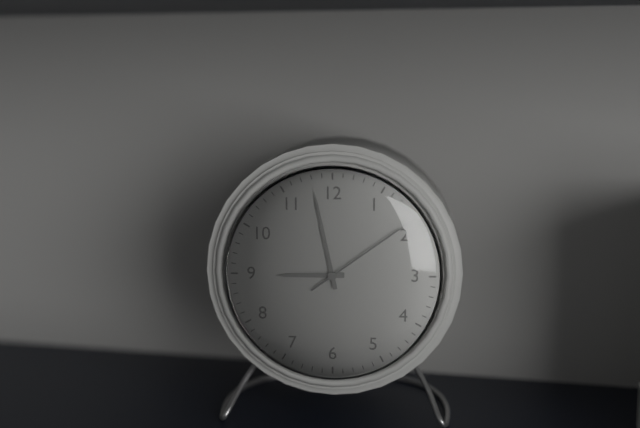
h=8 m=58 s=9
